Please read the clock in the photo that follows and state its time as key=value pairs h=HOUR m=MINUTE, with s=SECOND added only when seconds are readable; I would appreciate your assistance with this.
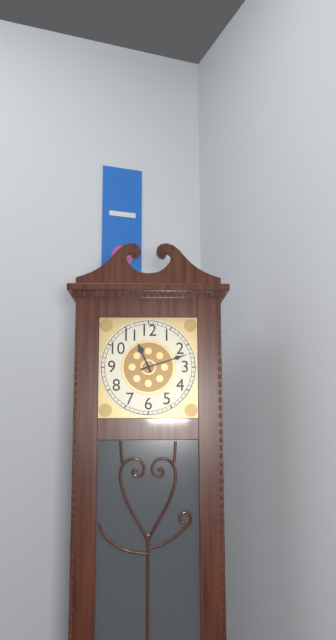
h=11 m=12
